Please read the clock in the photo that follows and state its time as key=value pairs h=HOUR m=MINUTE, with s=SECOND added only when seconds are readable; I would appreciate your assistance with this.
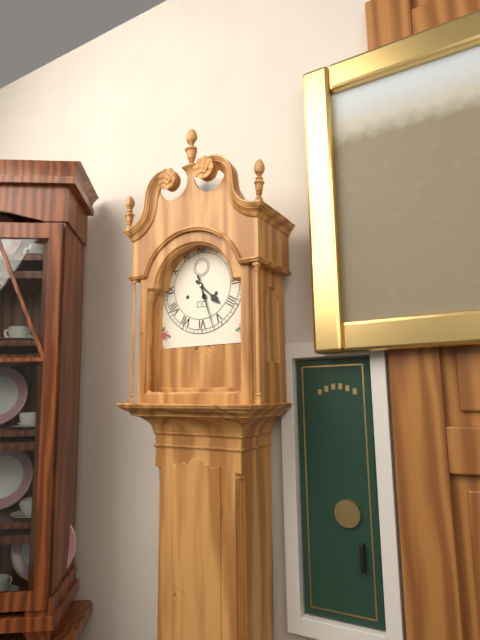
h=4 m=27
